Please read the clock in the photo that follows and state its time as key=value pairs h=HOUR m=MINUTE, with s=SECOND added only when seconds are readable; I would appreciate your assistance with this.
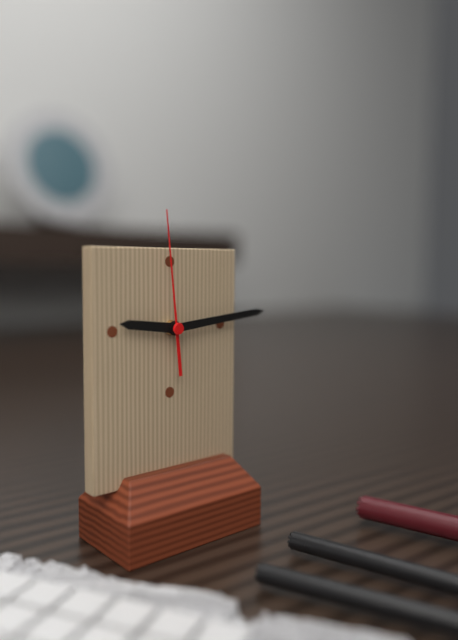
h=9 m=14 s=59
